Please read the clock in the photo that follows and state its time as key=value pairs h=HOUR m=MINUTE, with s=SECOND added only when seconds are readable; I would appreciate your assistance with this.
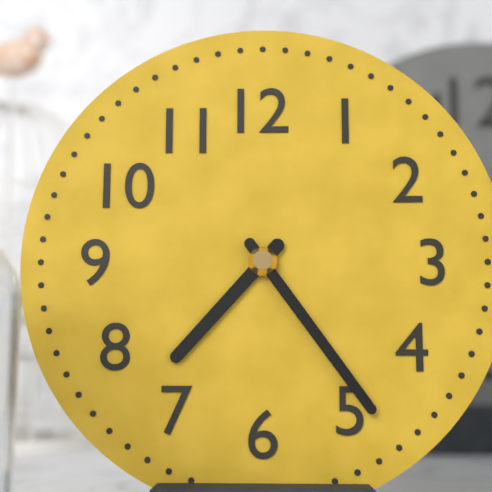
h=7 m=24
